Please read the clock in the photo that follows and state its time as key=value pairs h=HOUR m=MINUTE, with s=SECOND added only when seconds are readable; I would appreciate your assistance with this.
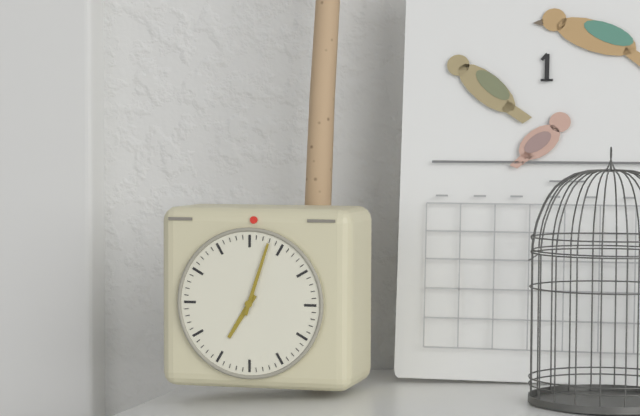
h=7 m=3
